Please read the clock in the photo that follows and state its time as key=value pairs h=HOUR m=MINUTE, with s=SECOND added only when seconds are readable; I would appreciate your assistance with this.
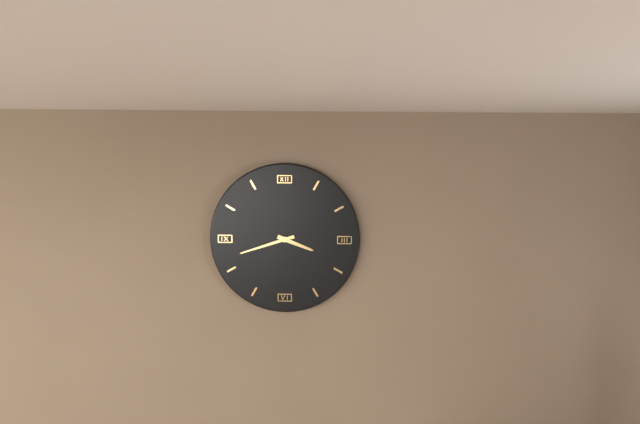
h=3 m=42
